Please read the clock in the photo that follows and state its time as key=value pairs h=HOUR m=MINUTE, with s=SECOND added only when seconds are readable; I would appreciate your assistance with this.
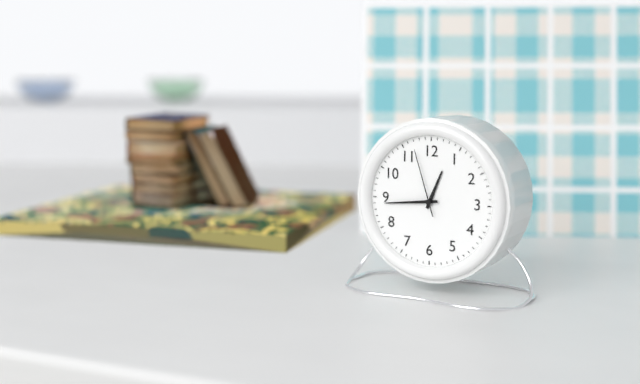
h=12 m=44 s=57
